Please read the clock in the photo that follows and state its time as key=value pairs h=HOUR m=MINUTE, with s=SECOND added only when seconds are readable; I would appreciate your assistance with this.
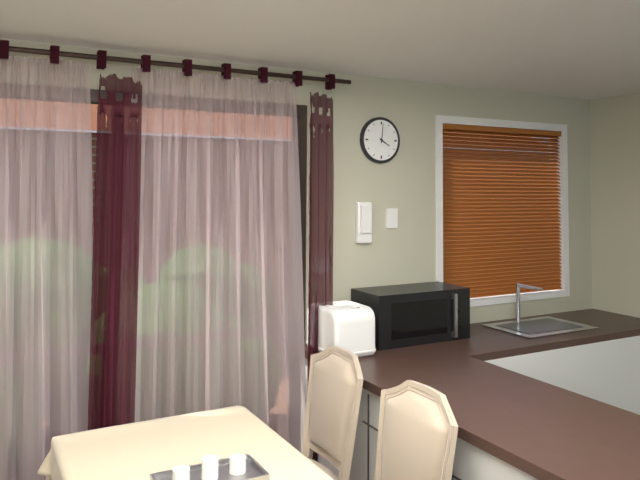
h=4 m=1
